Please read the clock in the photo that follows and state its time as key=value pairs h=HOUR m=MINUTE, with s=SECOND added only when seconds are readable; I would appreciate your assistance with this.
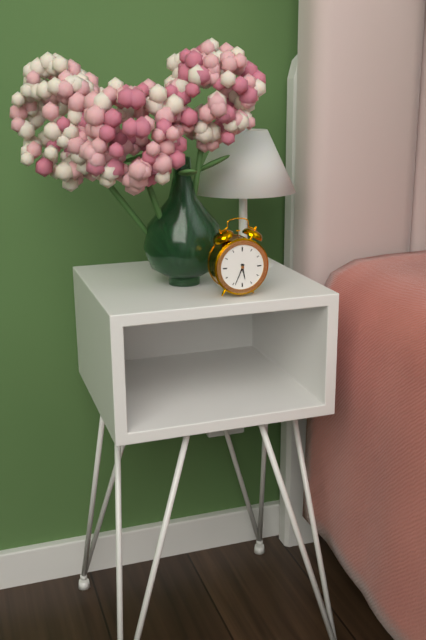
h=5 m=34
